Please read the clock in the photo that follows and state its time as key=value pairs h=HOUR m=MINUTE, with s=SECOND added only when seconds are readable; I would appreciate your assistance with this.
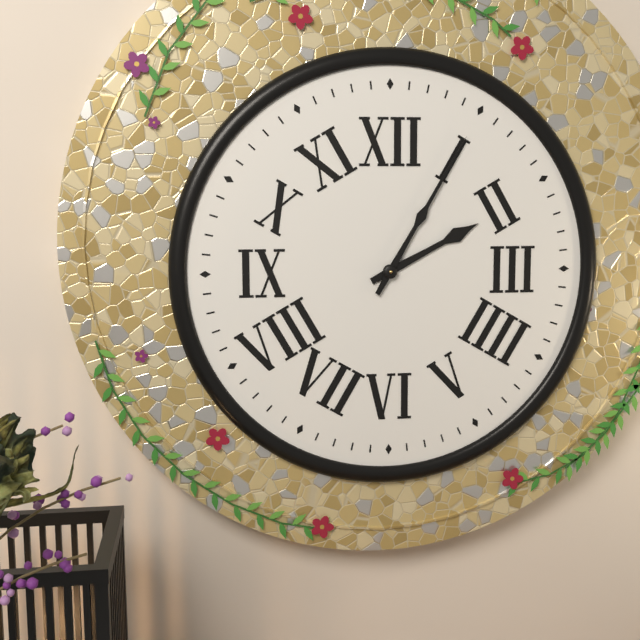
h=2 m=5
